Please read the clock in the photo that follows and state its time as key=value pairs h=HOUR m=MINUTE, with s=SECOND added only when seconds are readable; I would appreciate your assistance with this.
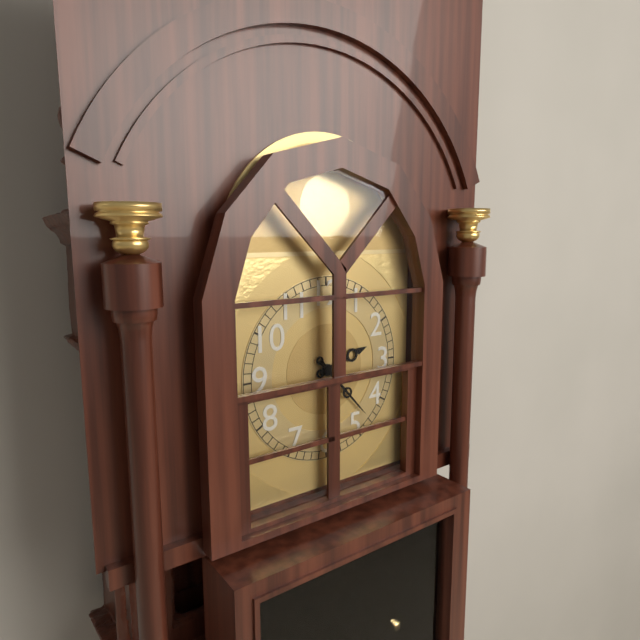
h=2 m=23
